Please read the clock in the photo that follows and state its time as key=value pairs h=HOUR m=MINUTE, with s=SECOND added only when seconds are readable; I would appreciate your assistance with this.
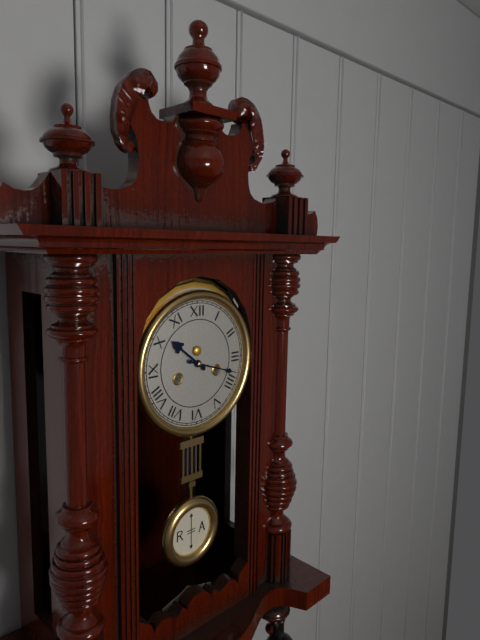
h=10 m=18
